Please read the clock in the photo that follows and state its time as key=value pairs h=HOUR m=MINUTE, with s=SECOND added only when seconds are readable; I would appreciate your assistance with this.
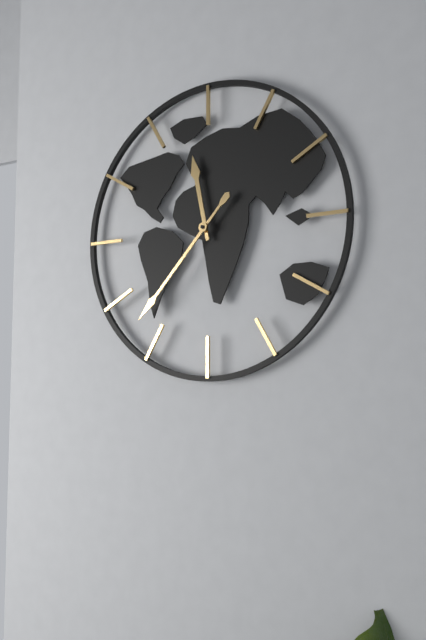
h=11 m=37
